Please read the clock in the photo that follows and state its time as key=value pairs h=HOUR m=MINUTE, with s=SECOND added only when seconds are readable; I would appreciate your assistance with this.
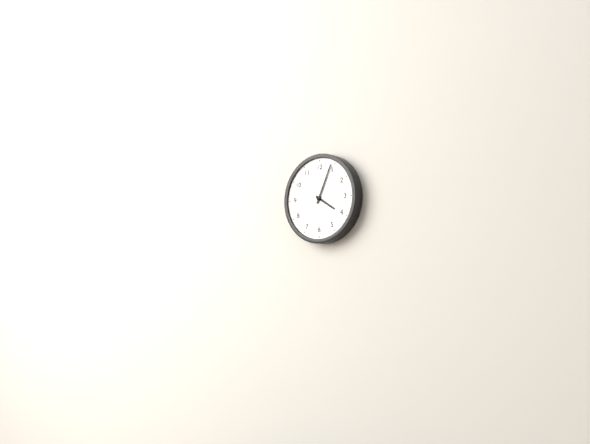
h=4 m=4
